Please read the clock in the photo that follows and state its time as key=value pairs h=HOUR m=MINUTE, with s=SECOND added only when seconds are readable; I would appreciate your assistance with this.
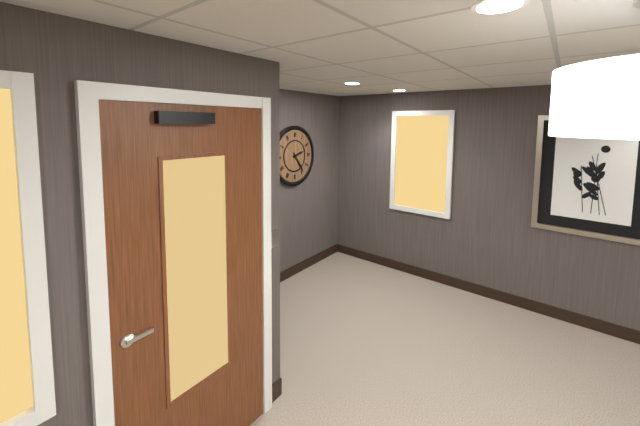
h=2 m=24
